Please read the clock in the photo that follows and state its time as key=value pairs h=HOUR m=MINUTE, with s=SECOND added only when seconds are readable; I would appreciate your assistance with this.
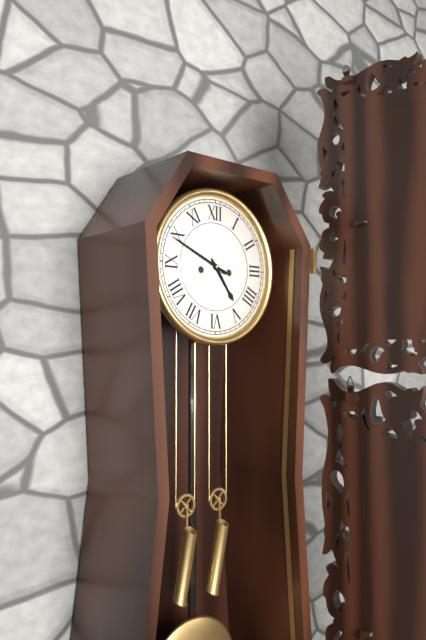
h=4 m=49
